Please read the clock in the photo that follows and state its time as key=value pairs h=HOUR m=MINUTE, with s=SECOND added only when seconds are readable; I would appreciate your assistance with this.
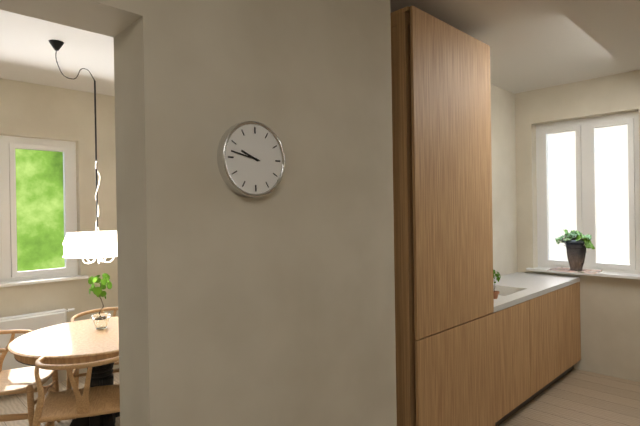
h=9 m=47
